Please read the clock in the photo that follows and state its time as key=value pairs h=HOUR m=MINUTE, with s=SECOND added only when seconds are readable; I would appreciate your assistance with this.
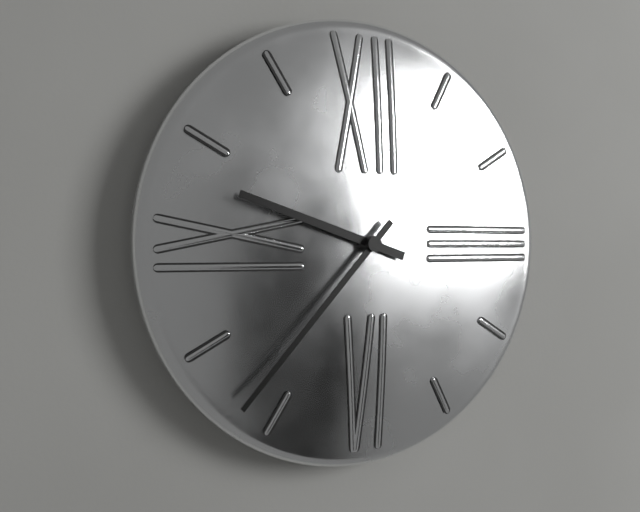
h=9 m=37
